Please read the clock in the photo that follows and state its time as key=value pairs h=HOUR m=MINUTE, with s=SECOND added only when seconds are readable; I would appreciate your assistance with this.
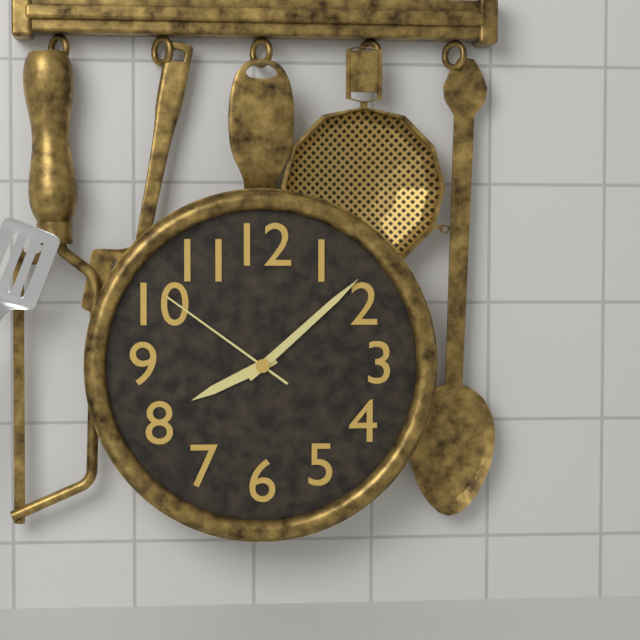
h=8 m=8 s=51
